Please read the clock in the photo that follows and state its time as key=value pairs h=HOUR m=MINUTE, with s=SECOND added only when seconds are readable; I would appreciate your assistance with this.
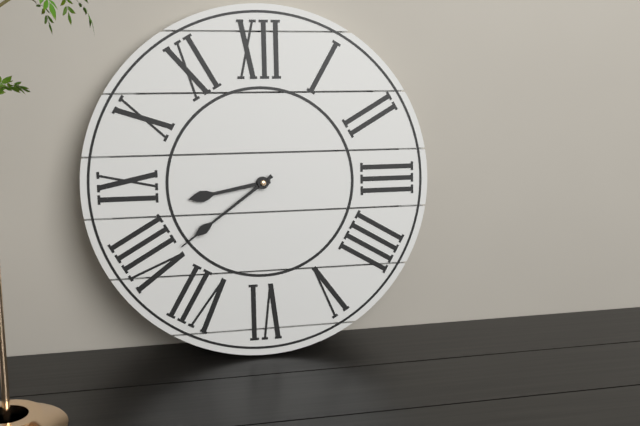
h=8 m=39
